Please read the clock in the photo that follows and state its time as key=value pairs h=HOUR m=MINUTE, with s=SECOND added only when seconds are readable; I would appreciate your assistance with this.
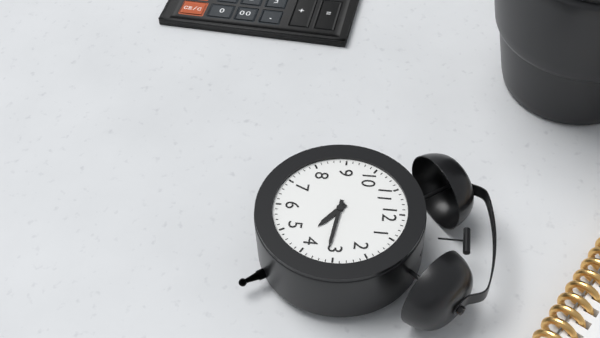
h=4 m=16
